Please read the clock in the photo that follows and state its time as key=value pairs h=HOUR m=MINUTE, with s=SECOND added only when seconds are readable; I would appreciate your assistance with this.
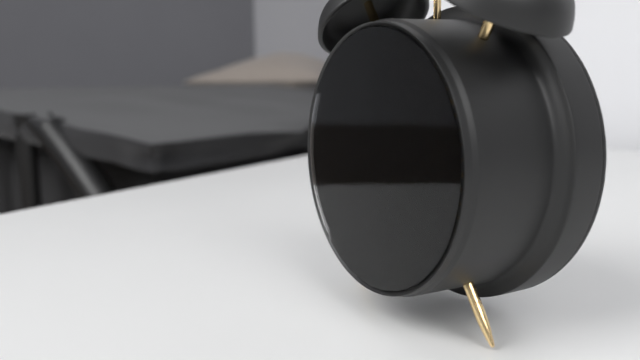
h=11 m=0 s=36
